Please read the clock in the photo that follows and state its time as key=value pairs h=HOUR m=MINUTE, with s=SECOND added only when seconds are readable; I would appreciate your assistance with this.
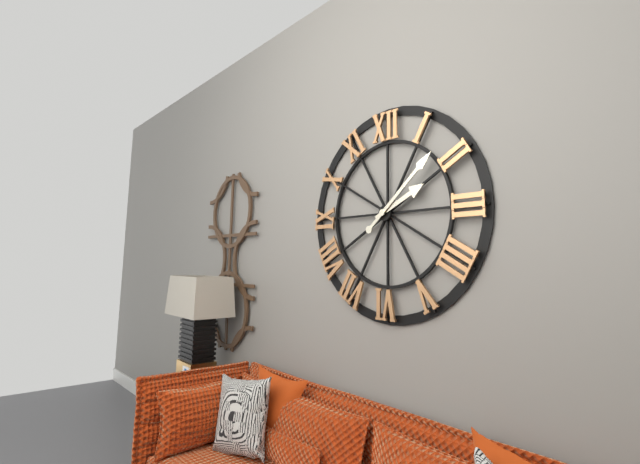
h=2 m=8
